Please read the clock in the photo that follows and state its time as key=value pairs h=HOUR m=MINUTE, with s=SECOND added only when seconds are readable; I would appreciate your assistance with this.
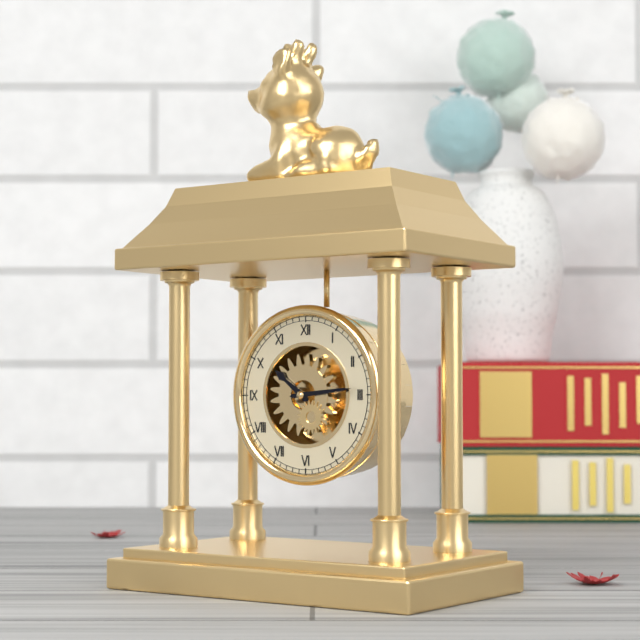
h=10 m=14
